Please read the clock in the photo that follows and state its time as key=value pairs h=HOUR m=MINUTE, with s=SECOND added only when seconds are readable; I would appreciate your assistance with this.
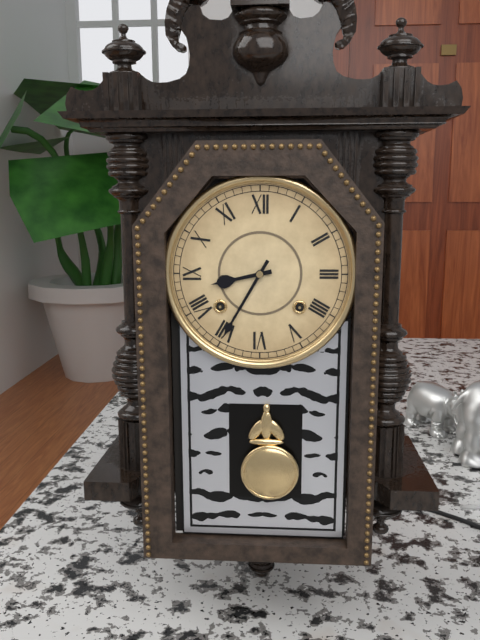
h=8 m=35
